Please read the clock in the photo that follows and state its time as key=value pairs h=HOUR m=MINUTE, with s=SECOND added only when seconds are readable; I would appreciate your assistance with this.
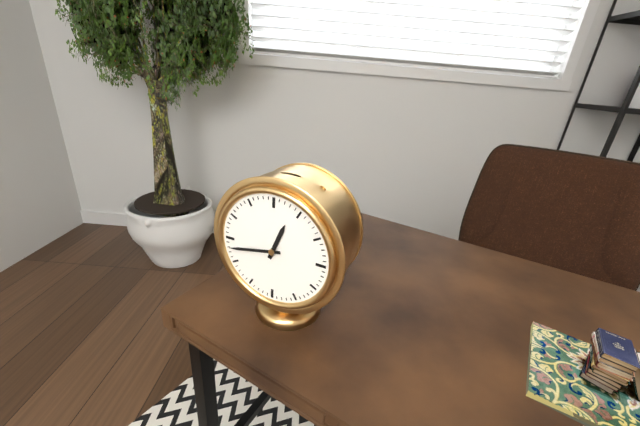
h=12 m=43
